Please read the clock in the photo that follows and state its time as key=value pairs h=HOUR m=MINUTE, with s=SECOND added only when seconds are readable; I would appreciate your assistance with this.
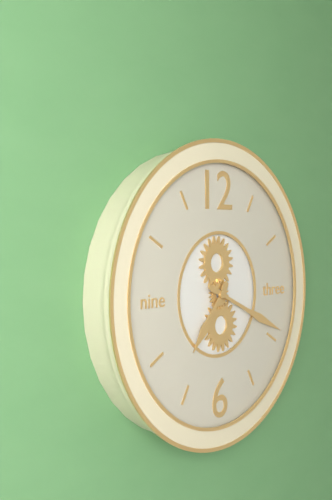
h=7 m=19
